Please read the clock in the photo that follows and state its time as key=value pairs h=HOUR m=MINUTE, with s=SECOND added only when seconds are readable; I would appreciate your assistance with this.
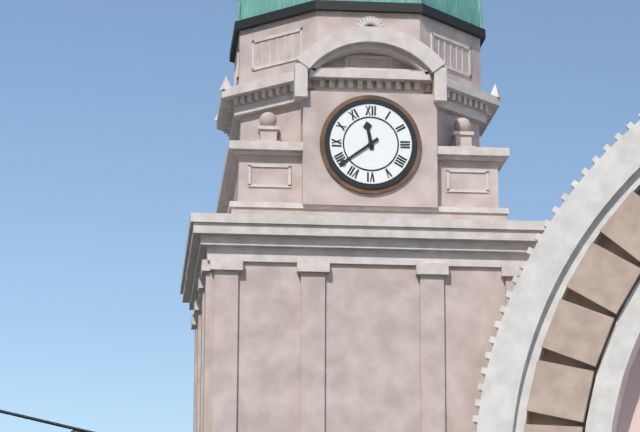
h=11 m=39
